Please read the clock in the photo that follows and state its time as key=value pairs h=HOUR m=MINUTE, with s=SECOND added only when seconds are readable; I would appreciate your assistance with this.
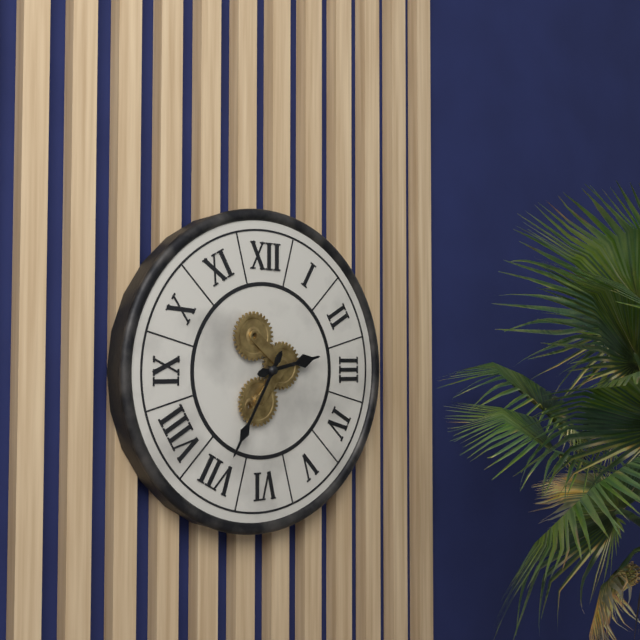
h=2 m=35
